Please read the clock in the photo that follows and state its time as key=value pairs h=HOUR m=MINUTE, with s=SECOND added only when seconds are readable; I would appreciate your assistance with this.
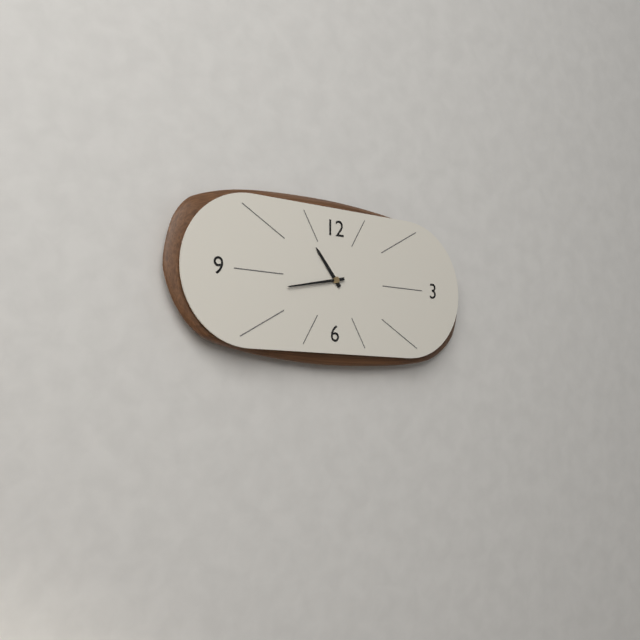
h=10 m=43
